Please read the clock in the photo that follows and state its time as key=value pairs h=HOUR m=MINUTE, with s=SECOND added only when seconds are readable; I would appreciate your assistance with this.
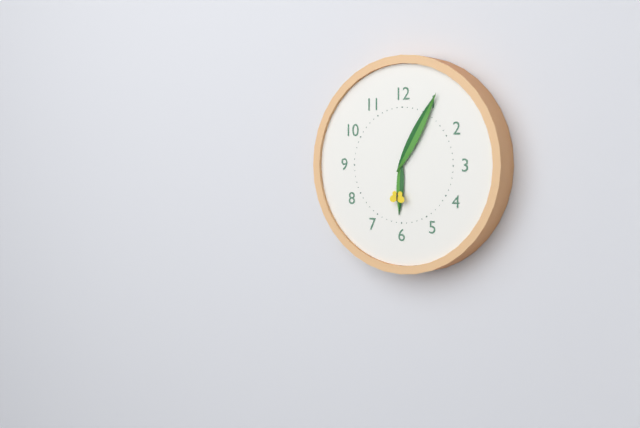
h=6 m=5
